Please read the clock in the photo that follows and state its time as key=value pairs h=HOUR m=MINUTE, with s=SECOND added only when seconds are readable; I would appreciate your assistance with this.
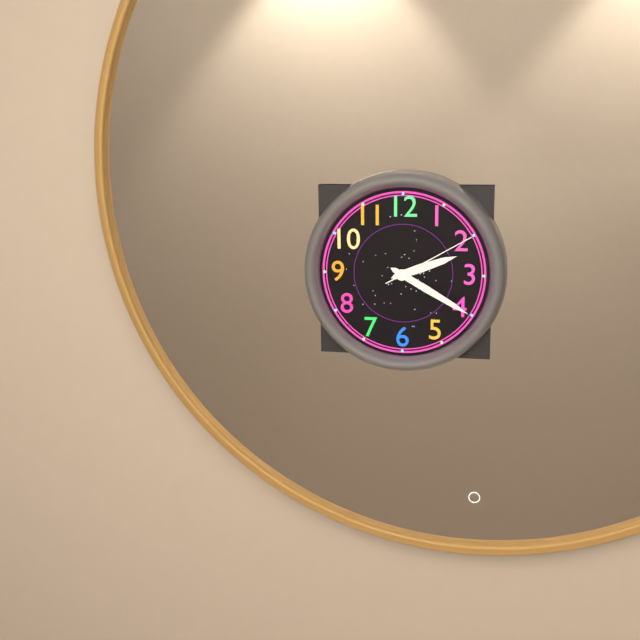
h=2 m=20 s=10
